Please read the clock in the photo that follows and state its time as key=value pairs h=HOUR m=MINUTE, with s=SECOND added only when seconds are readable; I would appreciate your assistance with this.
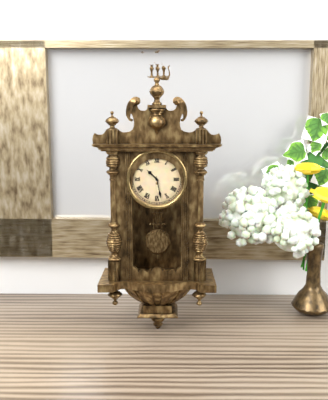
h=10 m=28
